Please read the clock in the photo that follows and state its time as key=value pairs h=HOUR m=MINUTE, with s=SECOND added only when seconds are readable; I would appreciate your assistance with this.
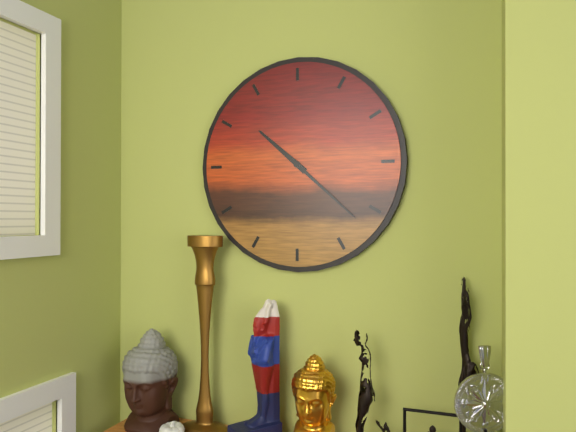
h=10 m=22
